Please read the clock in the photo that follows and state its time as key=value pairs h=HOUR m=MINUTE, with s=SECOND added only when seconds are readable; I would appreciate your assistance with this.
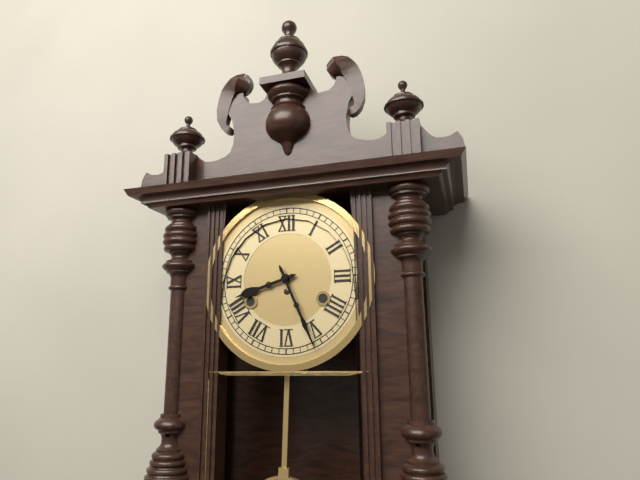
h=8 m=26
